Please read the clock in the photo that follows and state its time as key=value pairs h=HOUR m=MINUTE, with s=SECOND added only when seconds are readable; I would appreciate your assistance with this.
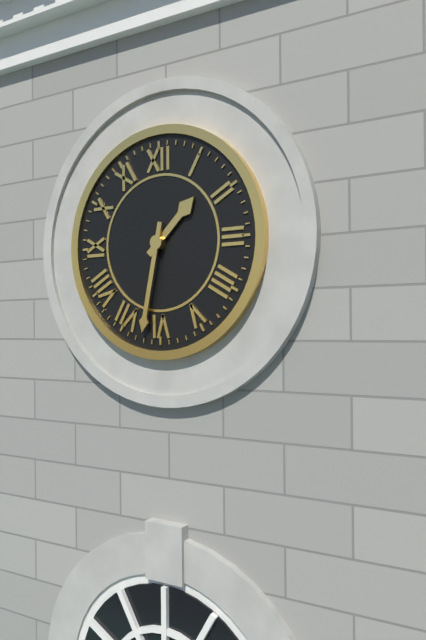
h=1 m=32
